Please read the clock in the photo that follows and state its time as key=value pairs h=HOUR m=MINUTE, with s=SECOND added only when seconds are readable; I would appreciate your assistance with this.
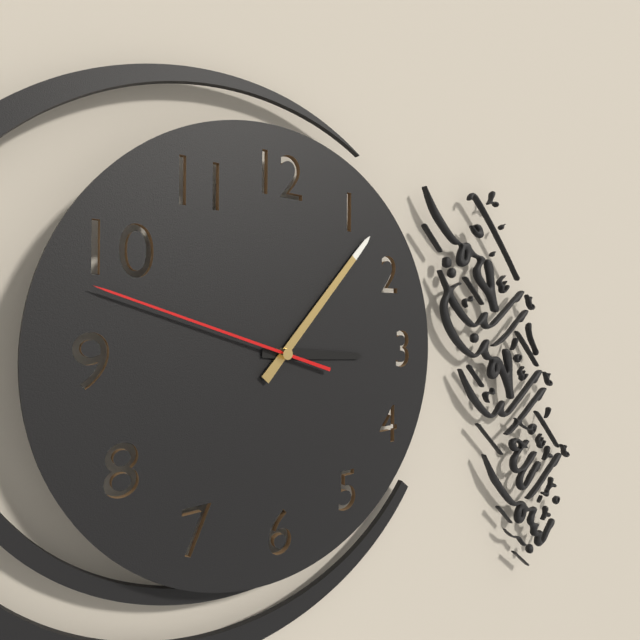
h=3 m=7 s=48
